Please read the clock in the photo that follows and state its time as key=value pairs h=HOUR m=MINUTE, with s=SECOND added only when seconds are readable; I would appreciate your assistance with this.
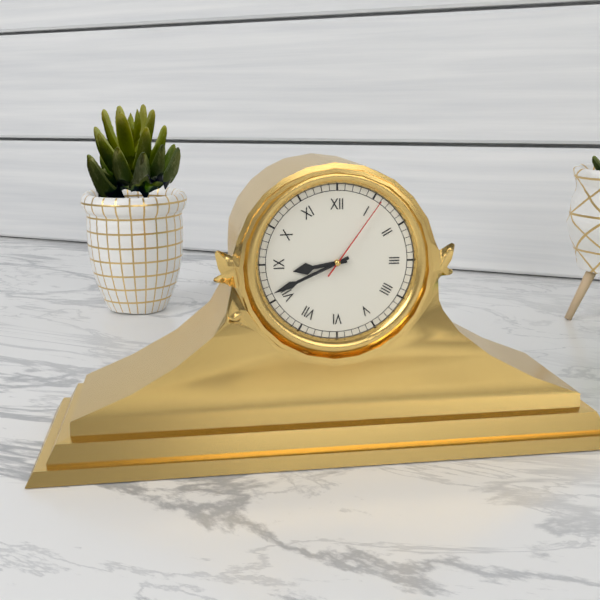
h=8 m=41 s=6
